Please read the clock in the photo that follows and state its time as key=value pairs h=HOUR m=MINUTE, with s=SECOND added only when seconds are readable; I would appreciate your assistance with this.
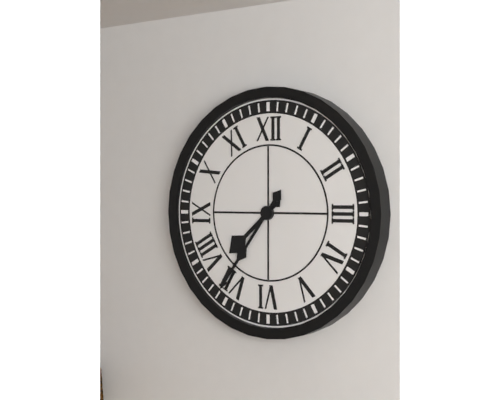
h=7 m=36
